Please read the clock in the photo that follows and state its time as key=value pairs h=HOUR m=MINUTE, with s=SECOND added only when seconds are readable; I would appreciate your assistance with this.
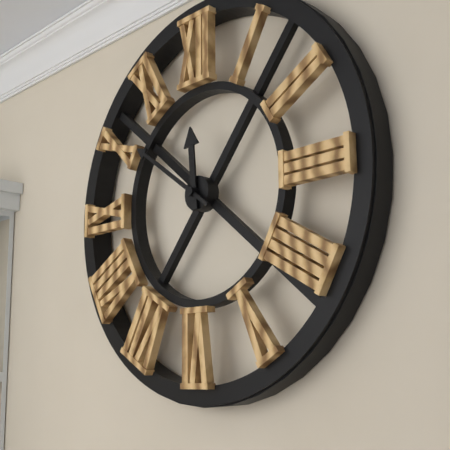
h=11 m=51
